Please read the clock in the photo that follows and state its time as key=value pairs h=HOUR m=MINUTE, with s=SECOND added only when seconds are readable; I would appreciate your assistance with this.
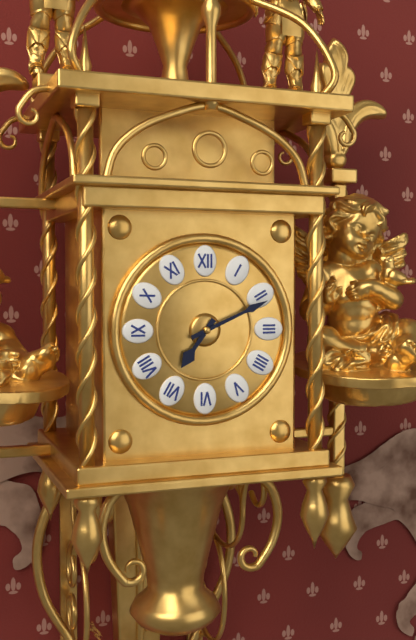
h=7 m=11
